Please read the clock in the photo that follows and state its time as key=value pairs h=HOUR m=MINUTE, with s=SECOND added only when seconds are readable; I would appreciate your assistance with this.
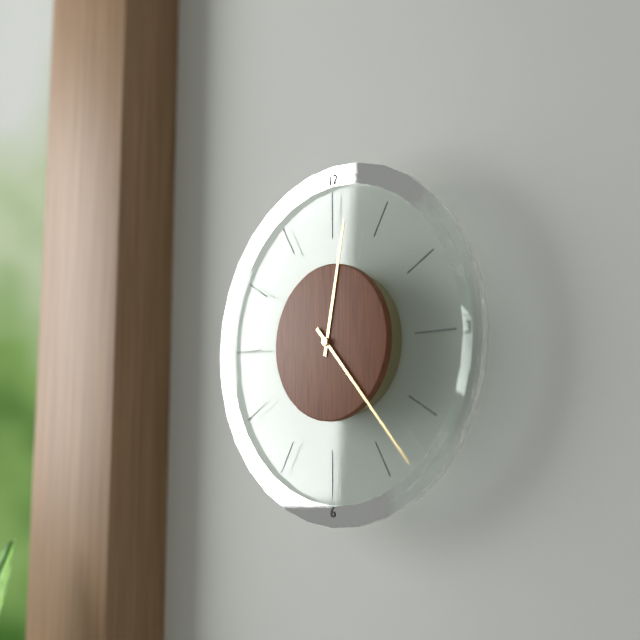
h=12 m=23
